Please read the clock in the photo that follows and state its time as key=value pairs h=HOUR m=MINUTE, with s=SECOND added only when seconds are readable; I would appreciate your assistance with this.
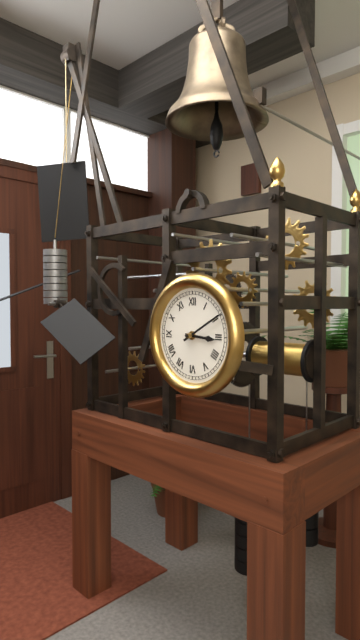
h=3 m=10
